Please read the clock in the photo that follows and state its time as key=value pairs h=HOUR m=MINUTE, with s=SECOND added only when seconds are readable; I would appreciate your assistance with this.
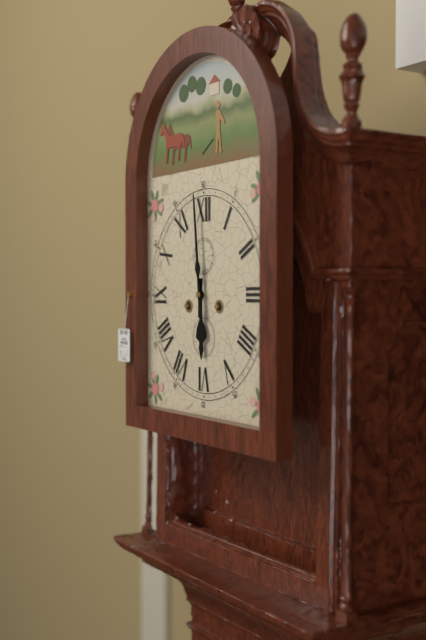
h=5 m=59
